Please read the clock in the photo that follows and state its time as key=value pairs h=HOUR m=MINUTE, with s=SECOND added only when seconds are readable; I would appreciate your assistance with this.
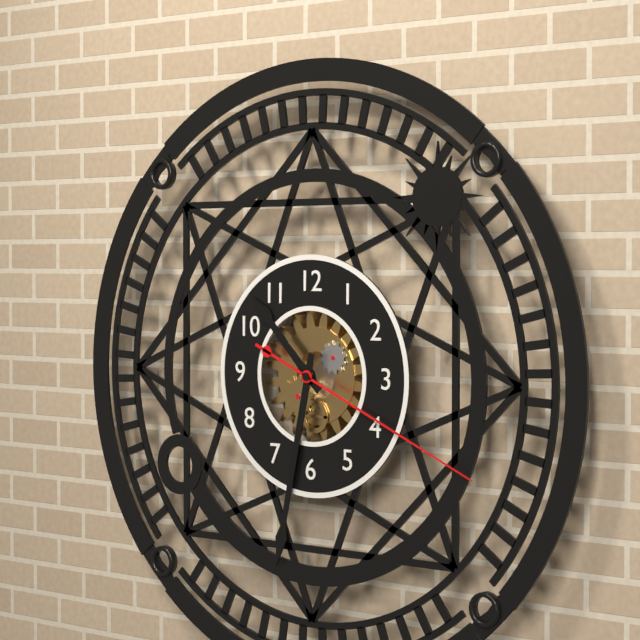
h=10 m=32 s=19
